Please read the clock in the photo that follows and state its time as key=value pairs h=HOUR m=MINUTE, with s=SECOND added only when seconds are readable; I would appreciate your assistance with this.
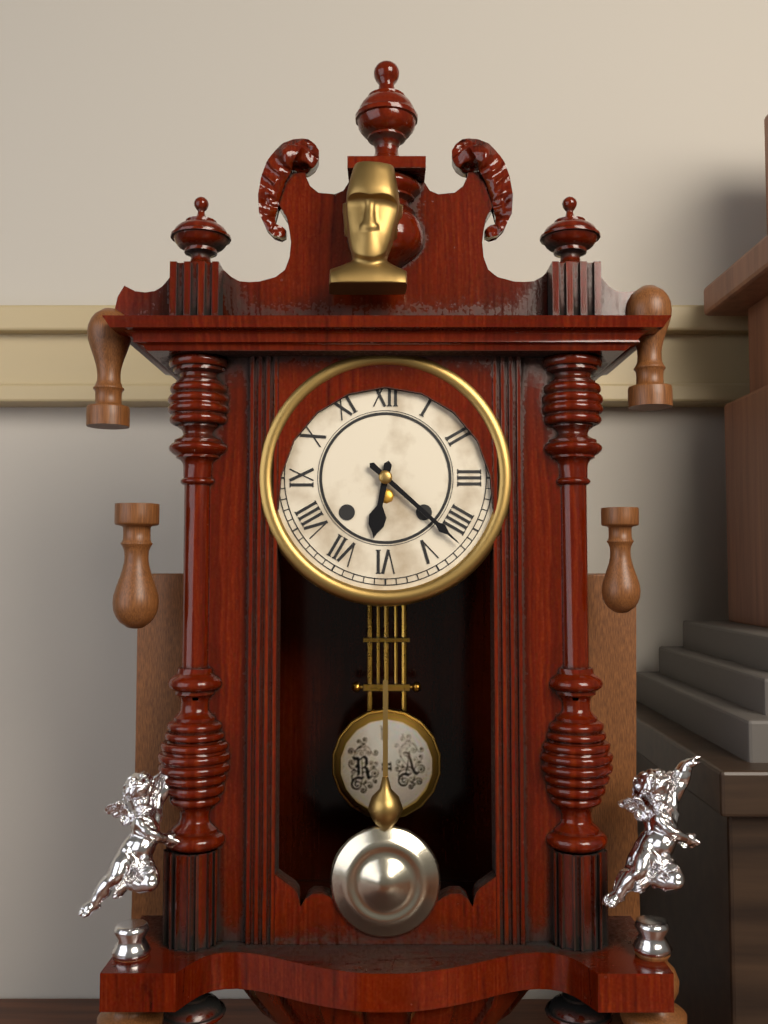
h=6 m=22
